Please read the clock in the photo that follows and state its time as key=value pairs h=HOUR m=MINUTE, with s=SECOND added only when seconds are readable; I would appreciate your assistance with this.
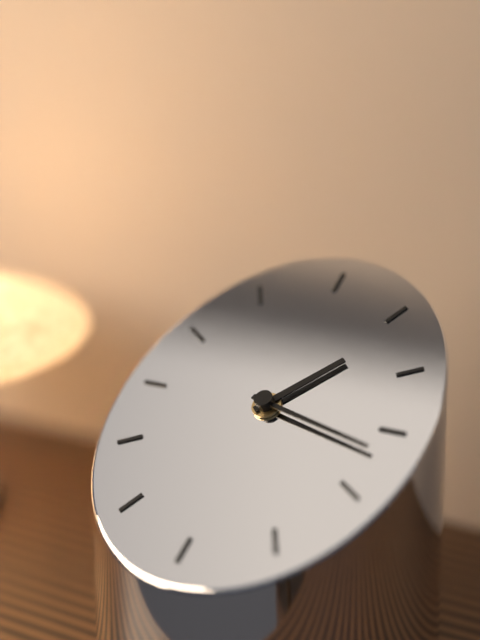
h=1 m=17
